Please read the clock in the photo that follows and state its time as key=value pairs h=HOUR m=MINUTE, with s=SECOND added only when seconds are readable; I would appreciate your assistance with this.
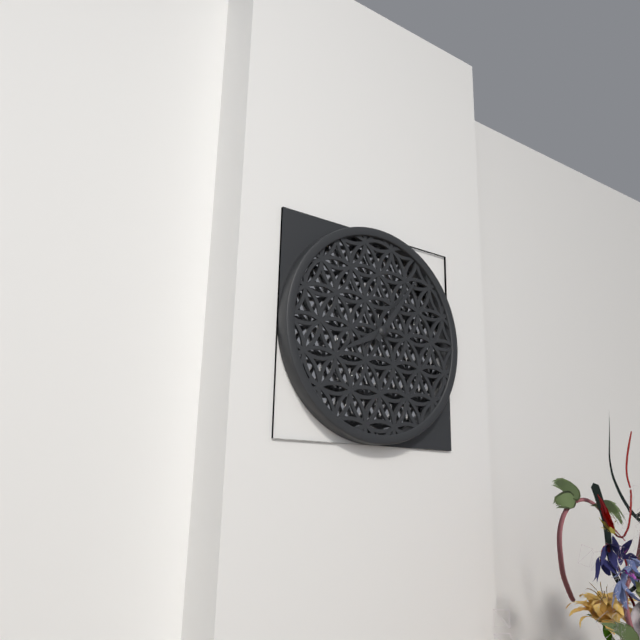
h=8 m=6
